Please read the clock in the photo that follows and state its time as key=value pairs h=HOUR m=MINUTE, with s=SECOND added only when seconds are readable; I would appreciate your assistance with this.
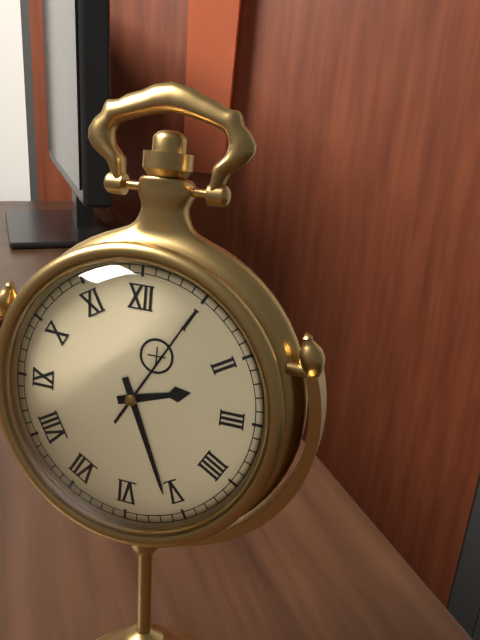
h=2 m=26 s=5
